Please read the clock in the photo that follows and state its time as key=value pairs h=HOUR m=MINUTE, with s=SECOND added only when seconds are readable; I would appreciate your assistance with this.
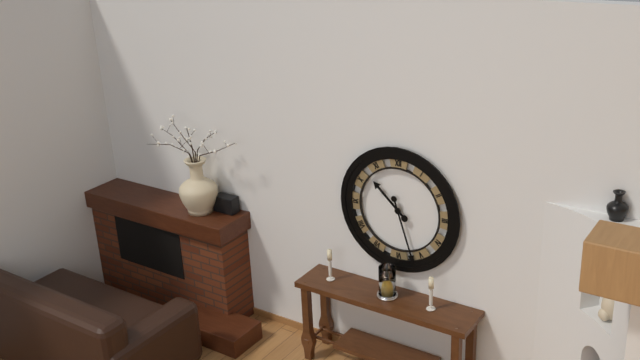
h=10 m=27
